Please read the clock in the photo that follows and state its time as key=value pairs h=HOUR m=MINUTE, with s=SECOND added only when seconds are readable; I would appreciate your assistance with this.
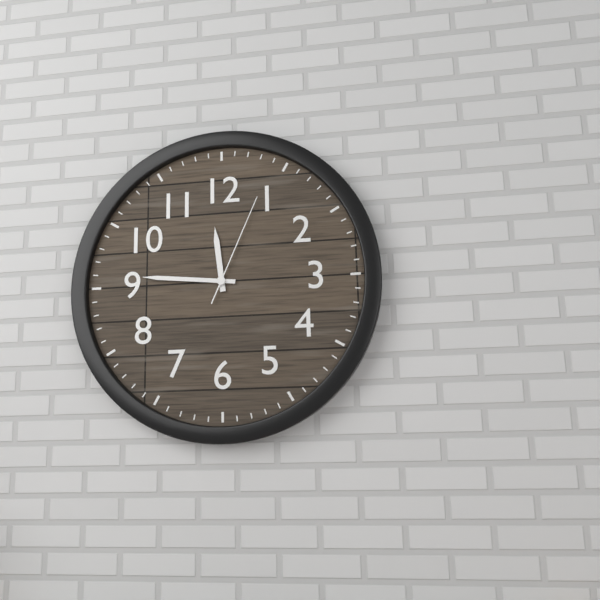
h=11 m=46 s=4
